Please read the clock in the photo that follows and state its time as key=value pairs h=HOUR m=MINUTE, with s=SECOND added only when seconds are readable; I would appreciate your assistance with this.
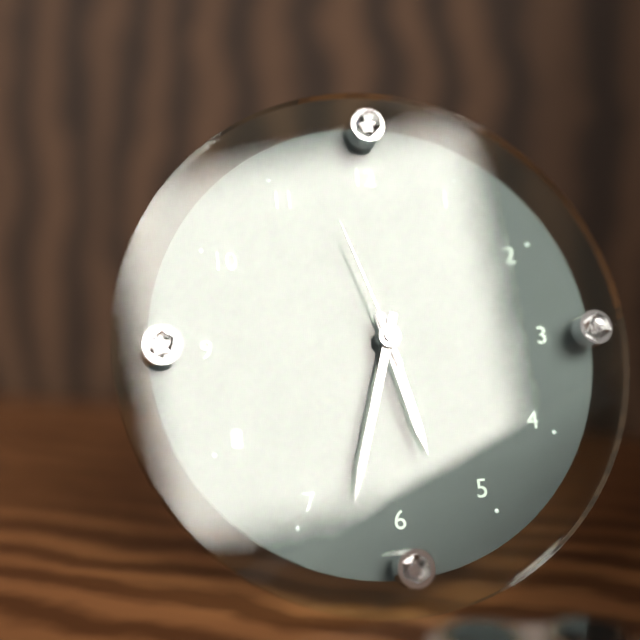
h=5 m=33 s=57
